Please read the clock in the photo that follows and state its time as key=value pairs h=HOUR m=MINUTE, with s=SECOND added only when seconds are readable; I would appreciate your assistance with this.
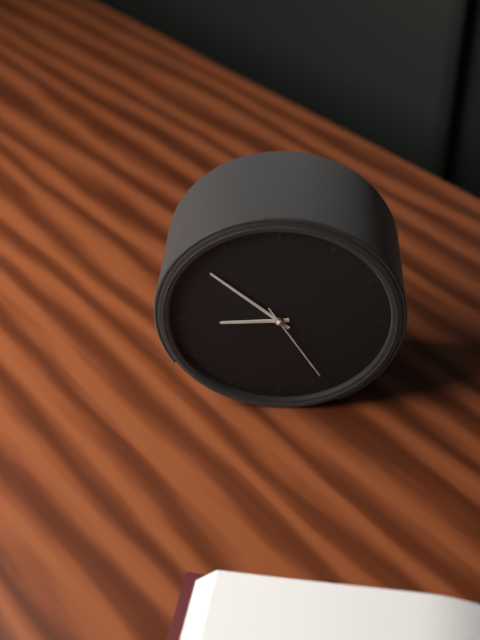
h=8 m=52 s=25
